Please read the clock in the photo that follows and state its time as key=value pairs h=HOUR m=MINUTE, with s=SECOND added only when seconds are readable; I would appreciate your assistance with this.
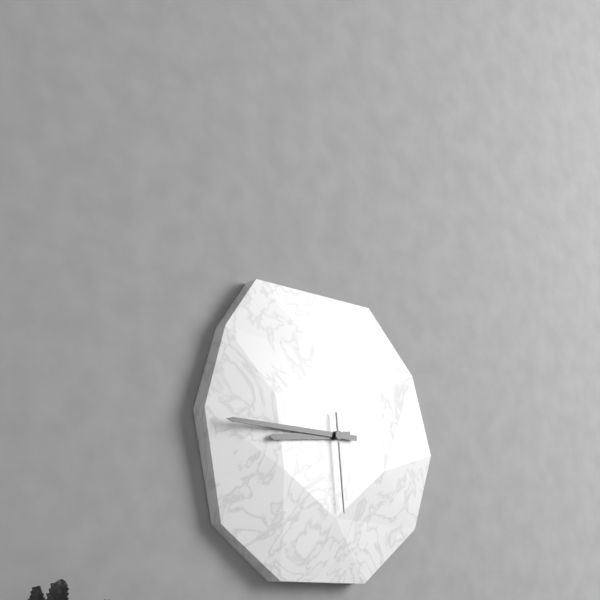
h=8 m=45 s=29
